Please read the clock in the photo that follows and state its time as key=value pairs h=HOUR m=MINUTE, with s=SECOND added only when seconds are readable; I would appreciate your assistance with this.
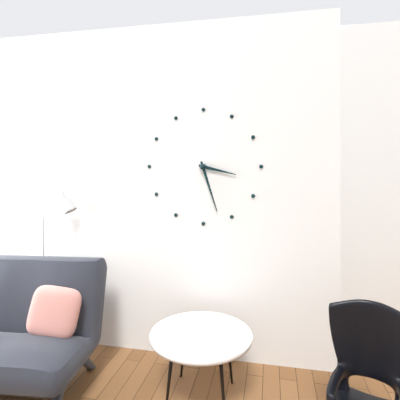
h=3 m=27
